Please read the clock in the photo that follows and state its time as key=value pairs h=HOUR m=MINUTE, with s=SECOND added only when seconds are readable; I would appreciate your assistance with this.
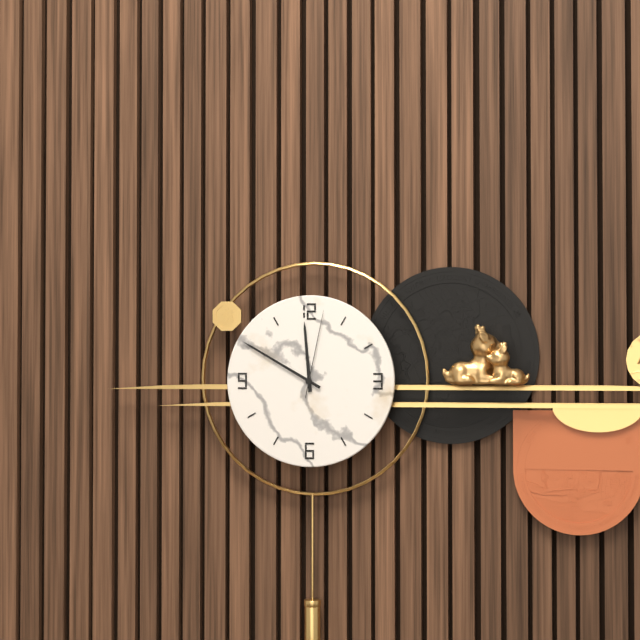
h=11 m=50 s=2
